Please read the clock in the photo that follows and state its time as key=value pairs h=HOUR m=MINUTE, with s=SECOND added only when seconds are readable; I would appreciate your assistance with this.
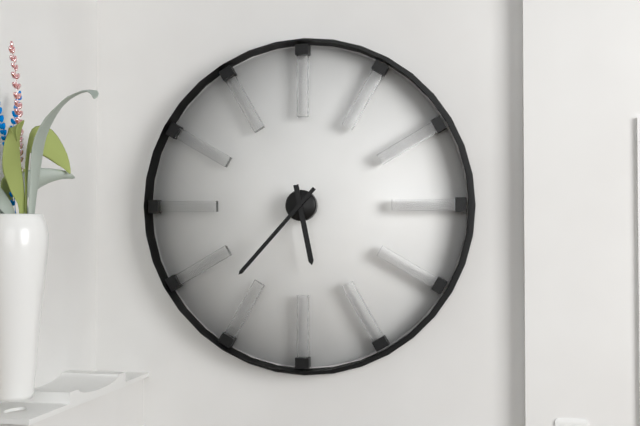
h=5 m=37
